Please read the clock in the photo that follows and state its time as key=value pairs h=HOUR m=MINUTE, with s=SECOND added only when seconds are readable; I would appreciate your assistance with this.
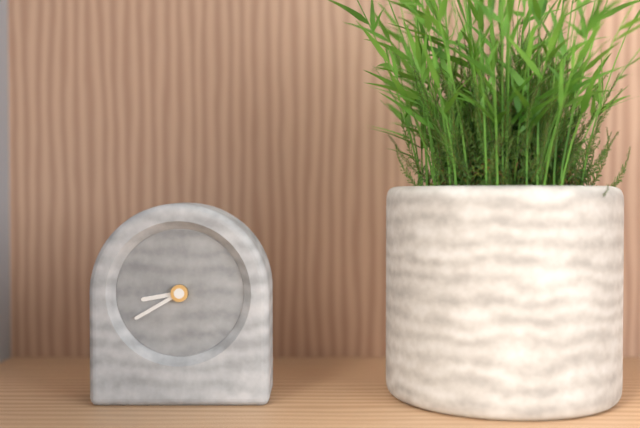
h=8 m=40
